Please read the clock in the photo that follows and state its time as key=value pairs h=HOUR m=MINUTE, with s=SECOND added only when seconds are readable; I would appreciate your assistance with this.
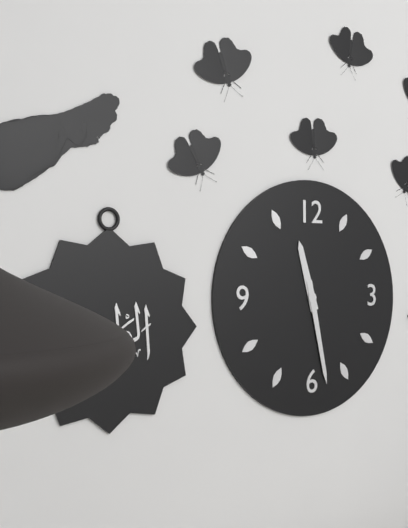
h=11 m=28
